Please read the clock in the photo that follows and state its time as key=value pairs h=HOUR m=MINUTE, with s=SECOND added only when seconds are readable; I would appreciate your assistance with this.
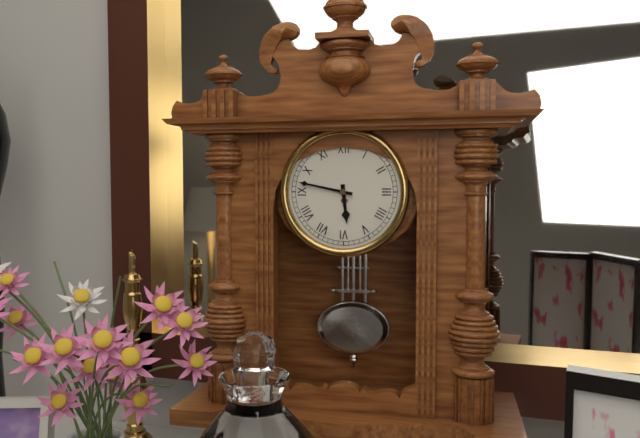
h=5 m=47
